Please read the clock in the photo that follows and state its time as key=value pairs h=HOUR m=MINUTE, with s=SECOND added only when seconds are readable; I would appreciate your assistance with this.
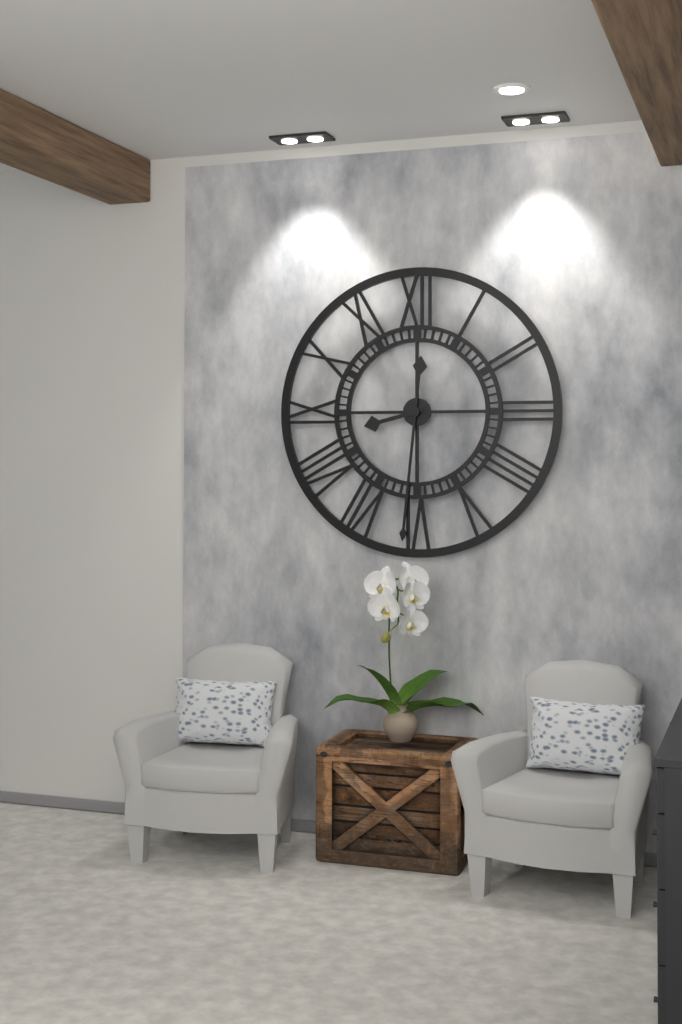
h=8 m=31
